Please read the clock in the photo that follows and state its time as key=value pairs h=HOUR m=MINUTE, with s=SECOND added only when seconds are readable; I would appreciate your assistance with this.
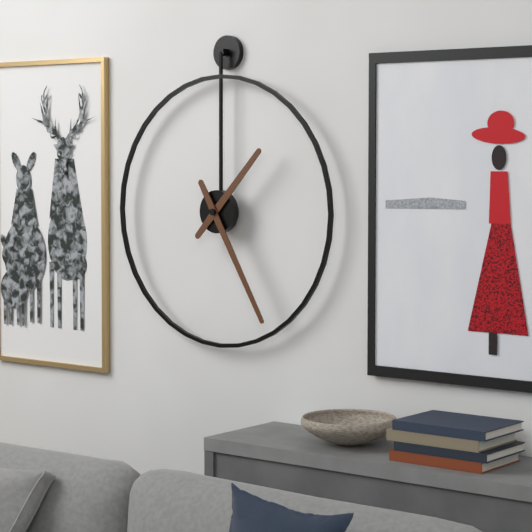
h=1 m=25
